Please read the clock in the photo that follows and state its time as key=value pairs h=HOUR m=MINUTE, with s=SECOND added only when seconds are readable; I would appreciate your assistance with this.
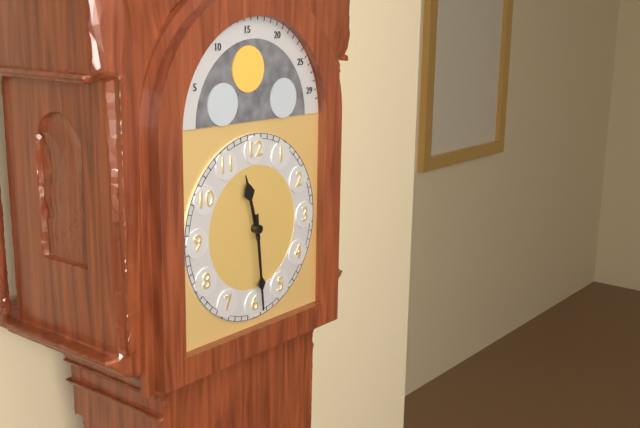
h=11 m=29
